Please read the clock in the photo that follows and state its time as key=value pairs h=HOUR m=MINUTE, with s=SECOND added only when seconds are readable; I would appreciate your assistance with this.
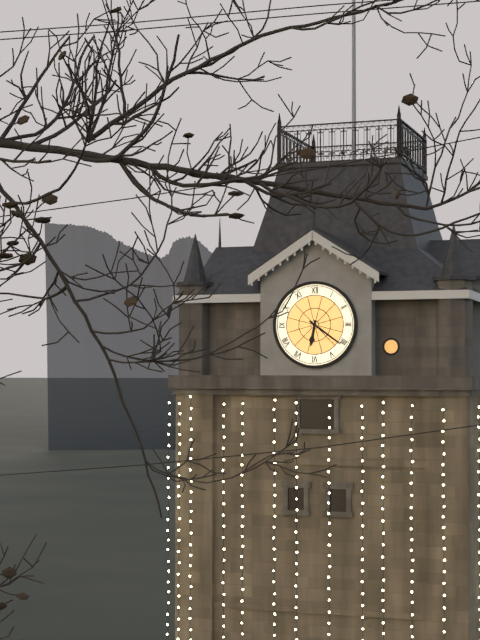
h=6 m=21
